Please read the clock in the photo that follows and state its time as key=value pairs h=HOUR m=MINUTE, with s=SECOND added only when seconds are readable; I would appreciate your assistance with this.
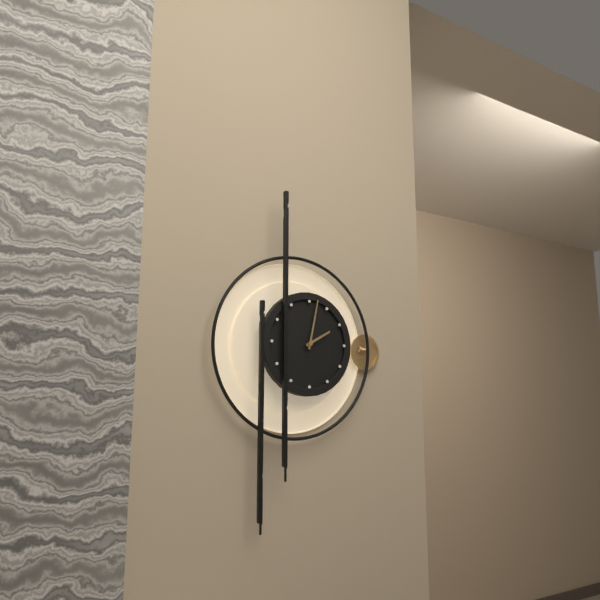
h=2 m=2
